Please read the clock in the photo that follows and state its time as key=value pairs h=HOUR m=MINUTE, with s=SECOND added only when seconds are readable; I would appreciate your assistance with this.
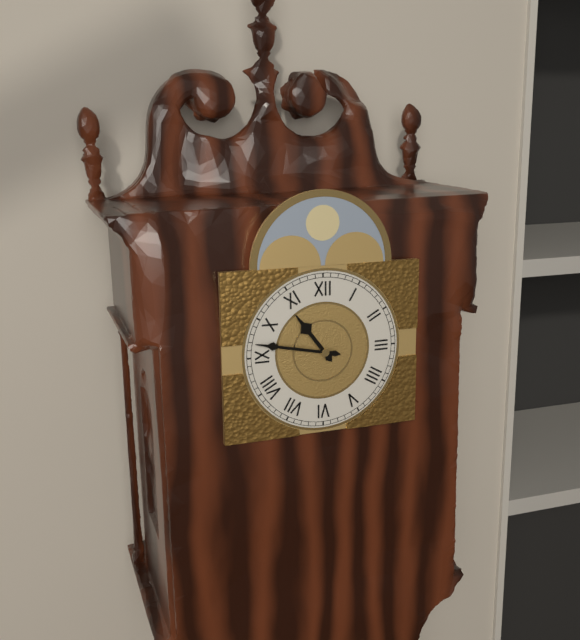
h=10 m=47
